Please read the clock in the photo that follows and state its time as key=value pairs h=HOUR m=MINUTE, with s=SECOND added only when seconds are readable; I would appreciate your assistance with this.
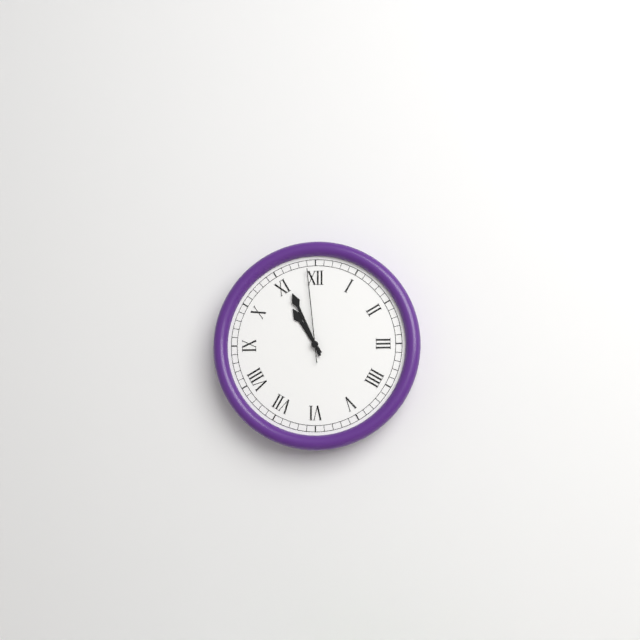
h=10 m=56 s=59
